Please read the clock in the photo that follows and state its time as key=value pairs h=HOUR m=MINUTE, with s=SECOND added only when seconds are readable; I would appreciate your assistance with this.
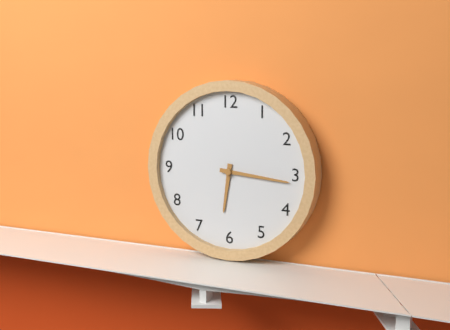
h=6 m=16
